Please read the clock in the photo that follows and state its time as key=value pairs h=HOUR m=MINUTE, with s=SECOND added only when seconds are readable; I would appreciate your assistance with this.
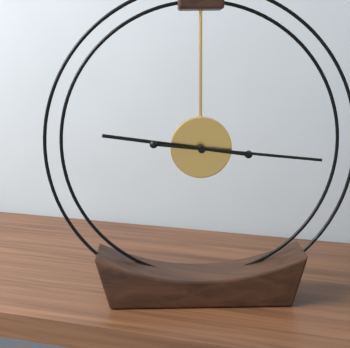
h=9 m=16
